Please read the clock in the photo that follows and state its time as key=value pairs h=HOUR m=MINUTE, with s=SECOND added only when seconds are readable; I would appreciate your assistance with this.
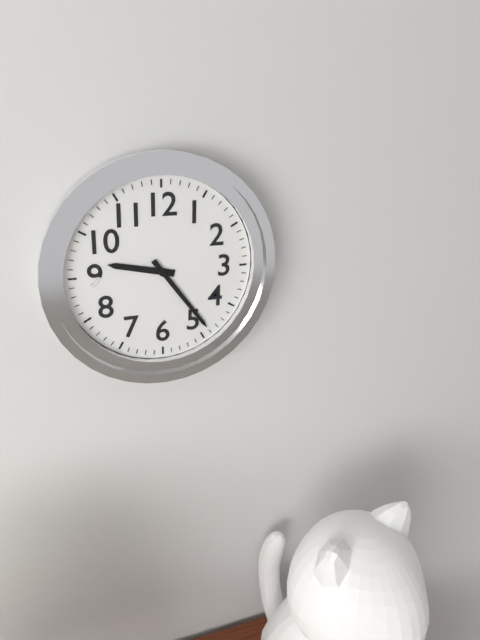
h=9 m=24
